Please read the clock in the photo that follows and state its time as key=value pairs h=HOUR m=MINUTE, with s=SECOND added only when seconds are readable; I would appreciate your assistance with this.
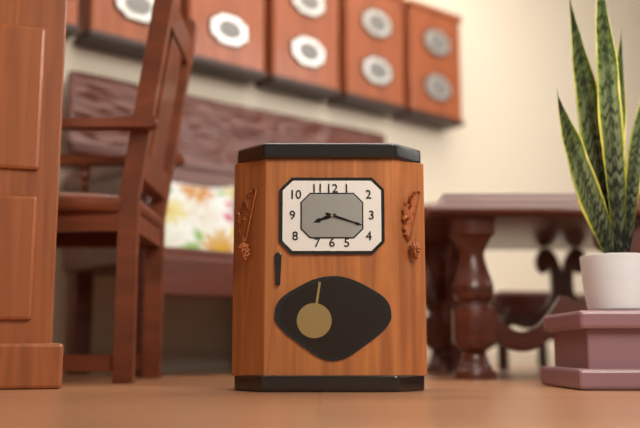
h=8 m=18
